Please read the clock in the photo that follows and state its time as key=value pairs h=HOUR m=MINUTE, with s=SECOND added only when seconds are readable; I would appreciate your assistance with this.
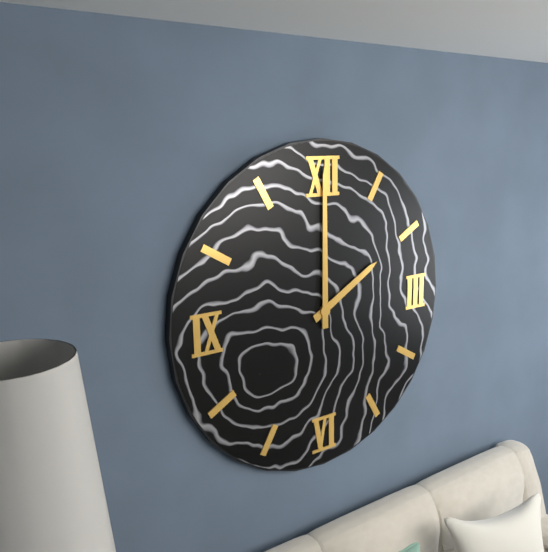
h=2 m=0
